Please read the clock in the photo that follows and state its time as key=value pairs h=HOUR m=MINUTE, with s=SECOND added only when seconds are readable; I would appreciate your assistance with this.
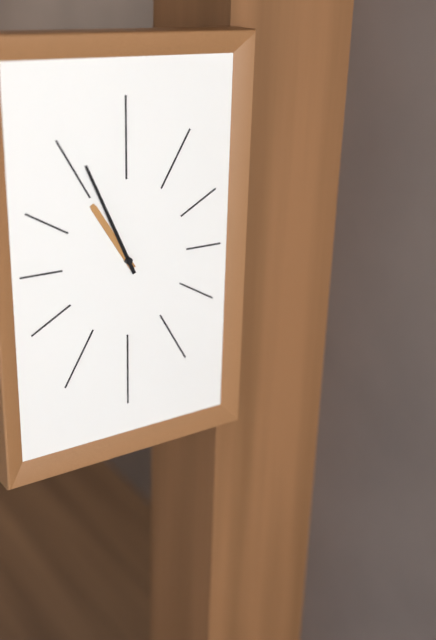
h=10 m=56
